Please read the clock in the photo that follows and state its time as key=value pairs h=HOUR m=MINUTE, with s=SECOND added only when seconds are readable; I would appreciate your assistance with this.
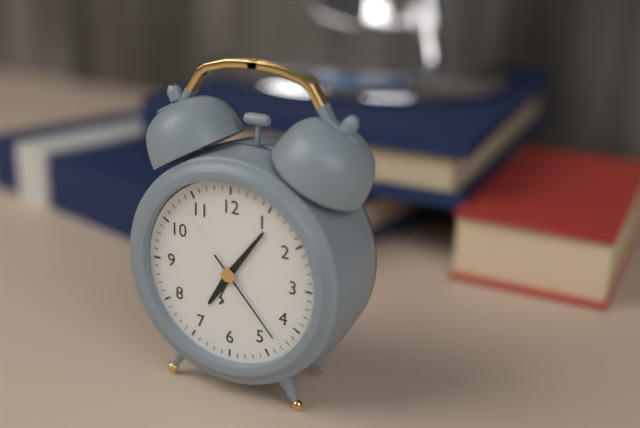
h=7 m=6 s=23
